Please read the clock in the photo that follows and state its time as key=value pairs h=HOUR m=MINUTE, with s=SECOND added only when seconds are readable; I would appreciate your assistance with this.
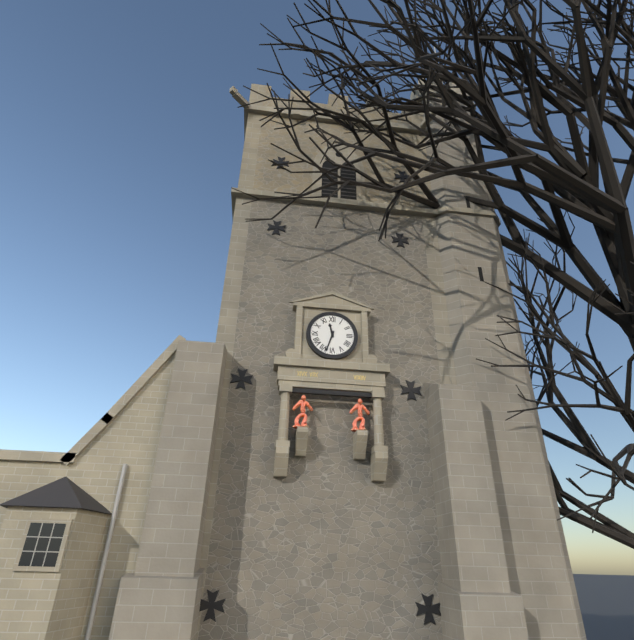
h=11 m=33
